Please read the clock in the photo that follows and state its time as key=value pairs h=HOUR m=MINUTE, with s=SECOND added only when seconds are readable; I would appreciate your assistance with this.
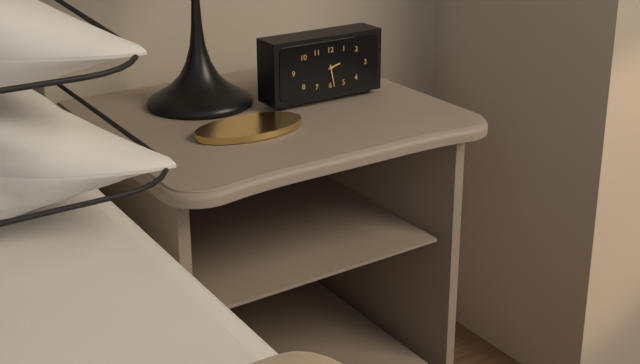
h=2 m=28
